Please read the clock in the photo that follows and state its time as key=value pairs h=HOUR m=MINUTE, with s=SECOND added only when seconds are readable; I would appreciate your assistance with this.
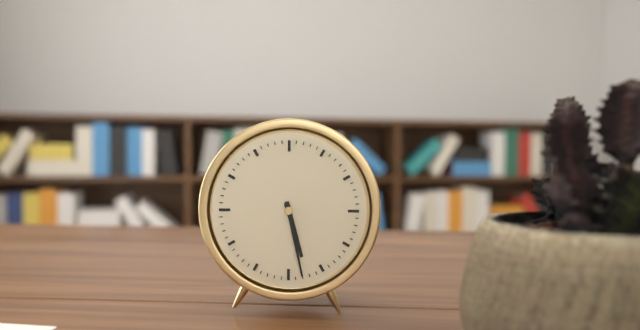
h=5 m=28
